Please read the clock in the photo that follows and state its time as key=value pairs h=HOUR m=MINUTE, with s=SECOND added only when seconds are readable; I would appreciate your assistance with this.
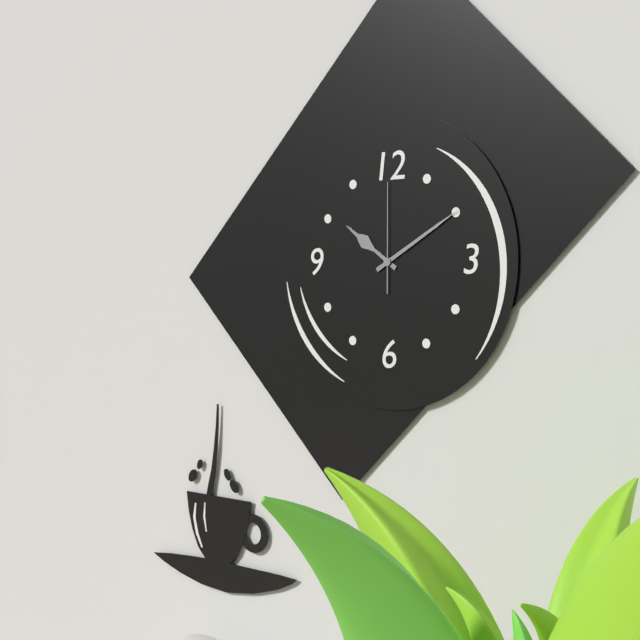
h=10 m=10 s=0
